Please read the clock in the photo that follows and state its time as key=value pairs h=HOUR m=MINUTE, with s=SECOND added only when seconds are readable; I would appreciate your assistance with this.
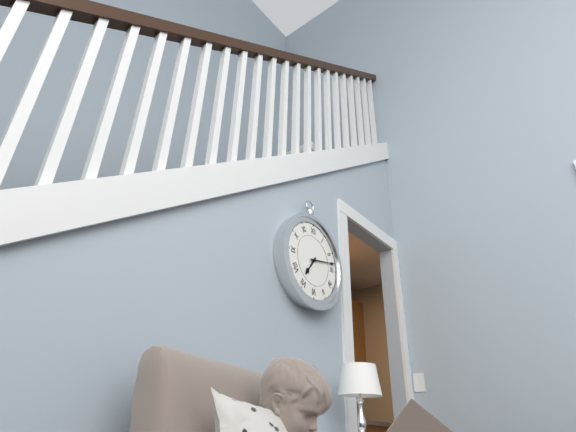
h=7 m=13
